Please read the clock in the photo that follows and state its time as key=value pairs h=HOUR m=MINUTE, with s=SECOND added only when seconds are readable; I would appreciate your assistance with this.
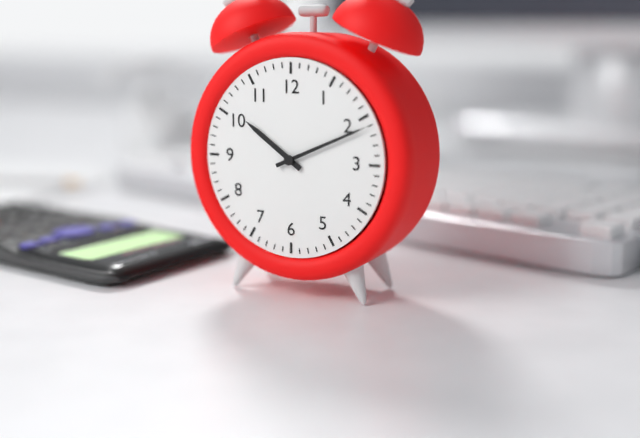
h=10 m=11
